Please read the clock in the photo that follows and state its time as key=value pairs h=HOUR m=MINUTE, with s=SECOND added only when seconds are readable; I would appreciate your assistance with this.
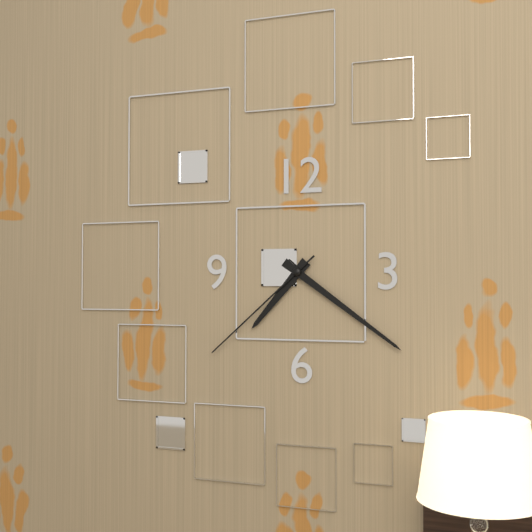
h=7 m=21 s=38
